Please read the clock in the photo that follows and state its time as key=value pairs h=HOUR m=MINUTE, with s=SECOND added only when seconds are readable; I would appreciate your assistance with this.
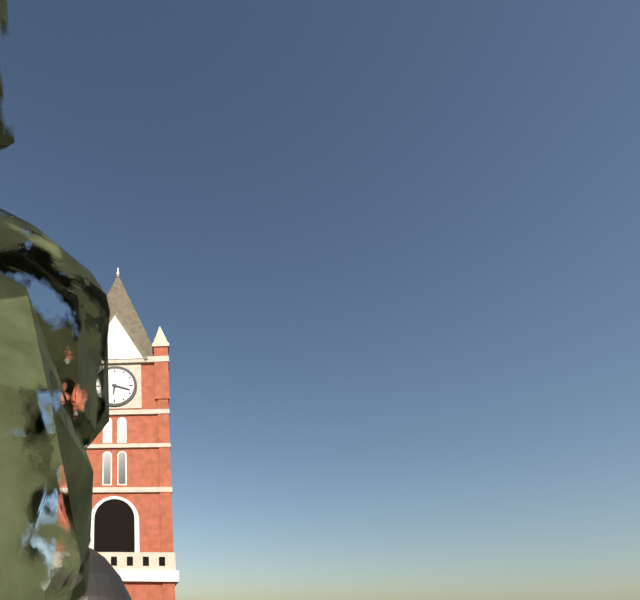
h=6 m=18
